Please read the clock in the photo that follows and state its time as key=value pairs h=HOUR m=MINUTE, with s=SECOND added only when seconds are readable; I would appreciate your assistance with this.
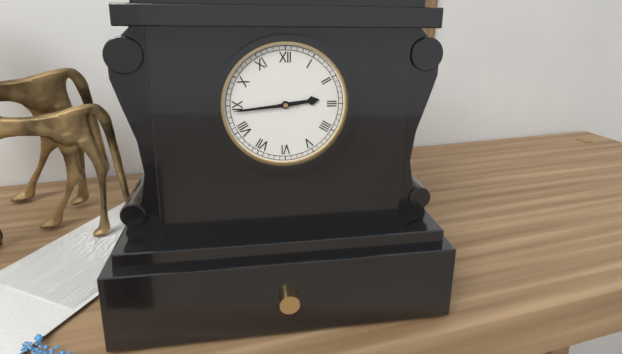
h=2 m=44
